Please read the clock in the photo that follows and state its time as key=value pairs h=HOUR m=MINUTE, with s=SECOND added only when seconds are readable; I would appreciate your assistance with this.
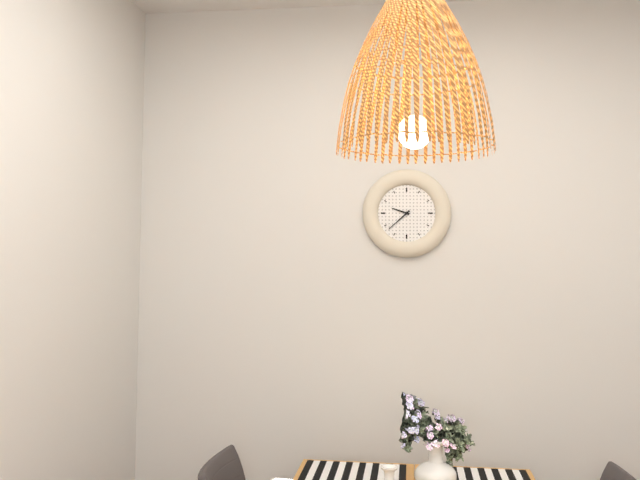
h=9 m=38
